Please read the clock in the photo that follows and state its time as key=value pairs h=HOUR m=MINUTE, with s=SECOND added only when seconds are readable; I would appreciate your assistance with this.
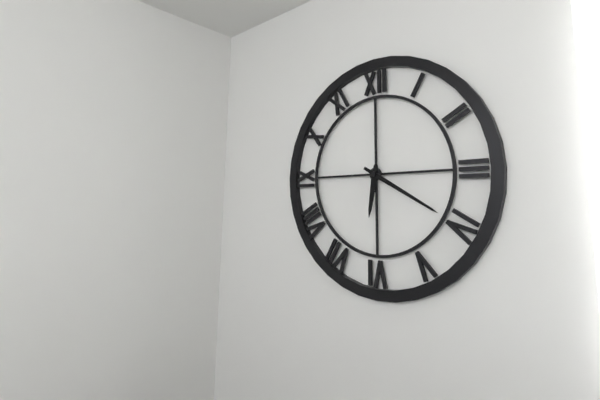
h=6 m=20
